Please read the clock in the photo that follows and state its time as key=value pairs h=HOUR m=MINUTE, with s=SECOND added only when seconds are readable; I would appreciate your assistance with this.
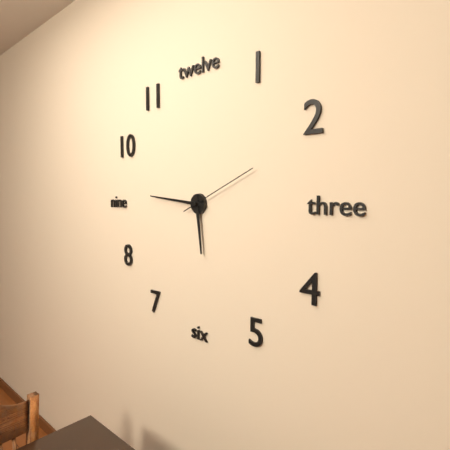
h=5 m=46 s=11
